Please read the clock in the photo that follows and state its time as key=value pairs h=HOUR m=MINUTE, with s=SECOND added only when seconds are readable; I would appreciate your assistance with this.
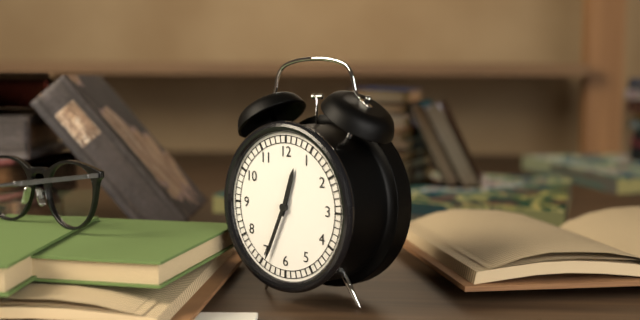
h=12 m=34
